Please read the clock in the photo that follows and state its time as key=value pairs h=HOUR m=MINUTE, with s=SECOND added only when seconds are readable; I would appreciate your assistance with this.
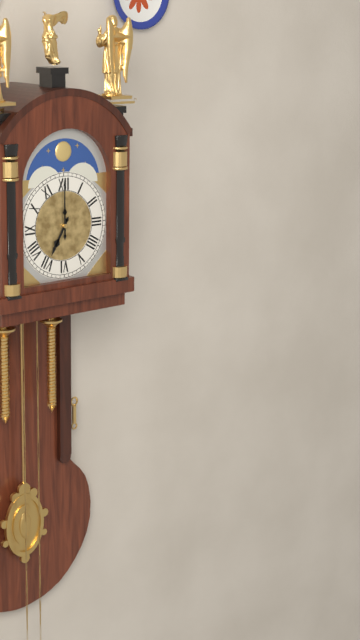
h=7 m=0
